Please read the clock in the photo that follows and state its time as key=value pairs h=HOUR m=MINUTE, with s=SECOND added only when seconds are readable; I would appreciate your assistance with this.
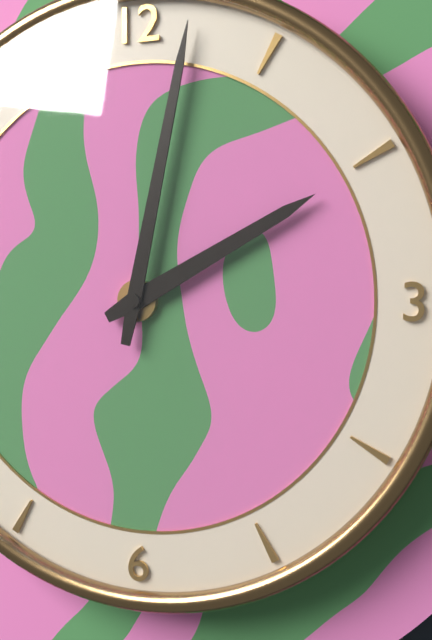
h=2 m=2
